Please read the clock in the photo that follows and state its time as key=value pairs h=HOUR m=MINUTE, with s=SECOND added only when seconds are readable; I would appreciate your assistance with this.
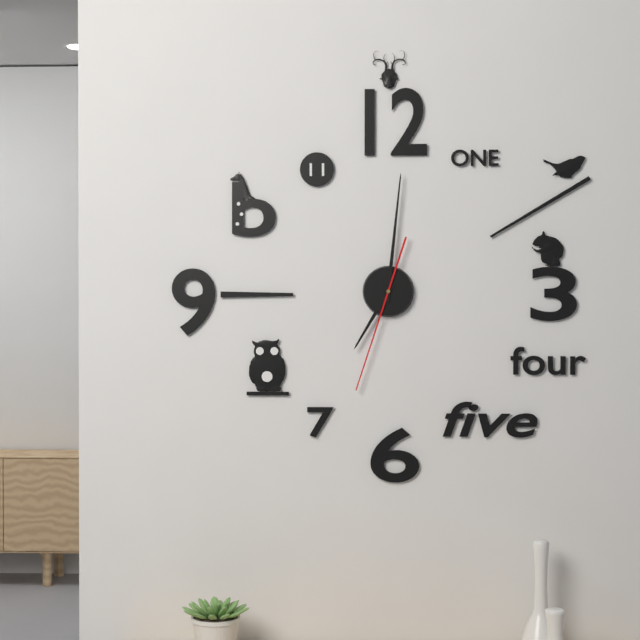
h=7 m=1 s=33
